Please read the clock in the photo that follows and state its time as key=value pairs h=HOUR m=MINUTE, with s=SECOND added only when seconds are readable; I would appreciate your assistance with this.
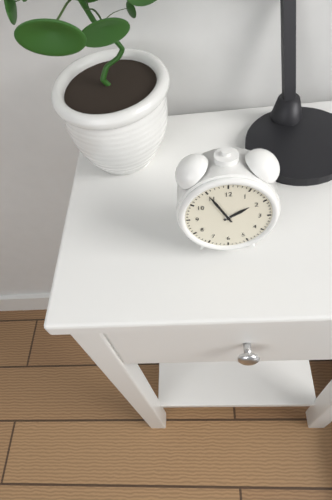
h=1 m=55
